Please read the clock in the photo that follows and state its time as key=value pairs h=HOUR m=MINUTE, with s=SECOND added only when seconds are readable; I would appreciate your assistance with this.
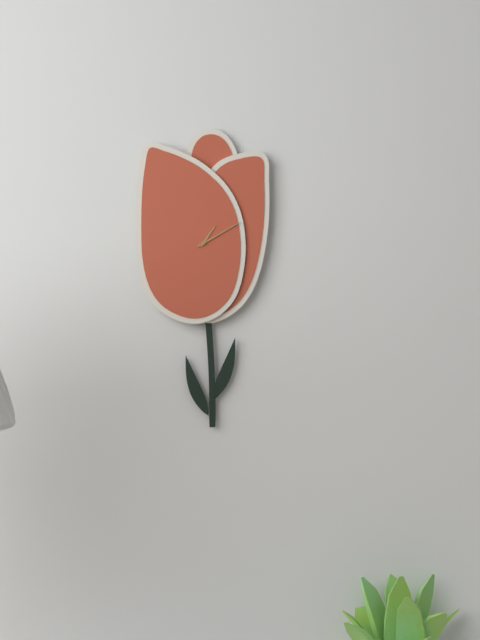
h=1 m=10
